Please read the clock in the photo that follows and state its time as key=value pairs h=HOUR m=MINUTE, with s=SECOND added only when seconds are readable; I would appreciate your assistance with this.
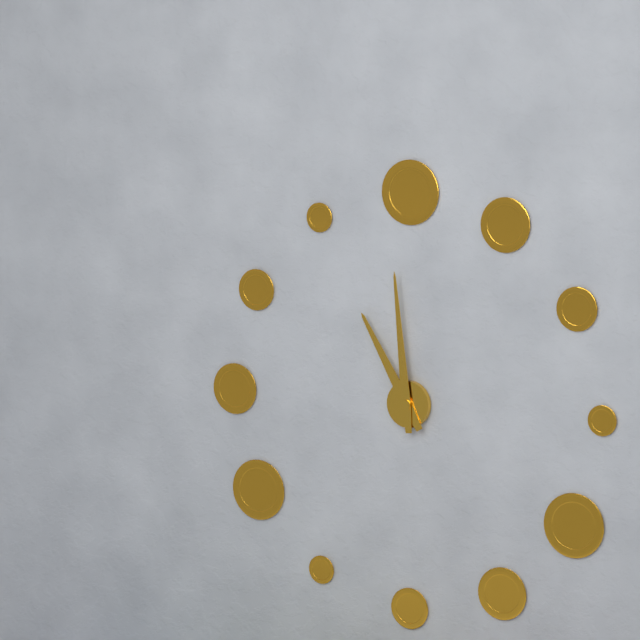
h=10 m=59
